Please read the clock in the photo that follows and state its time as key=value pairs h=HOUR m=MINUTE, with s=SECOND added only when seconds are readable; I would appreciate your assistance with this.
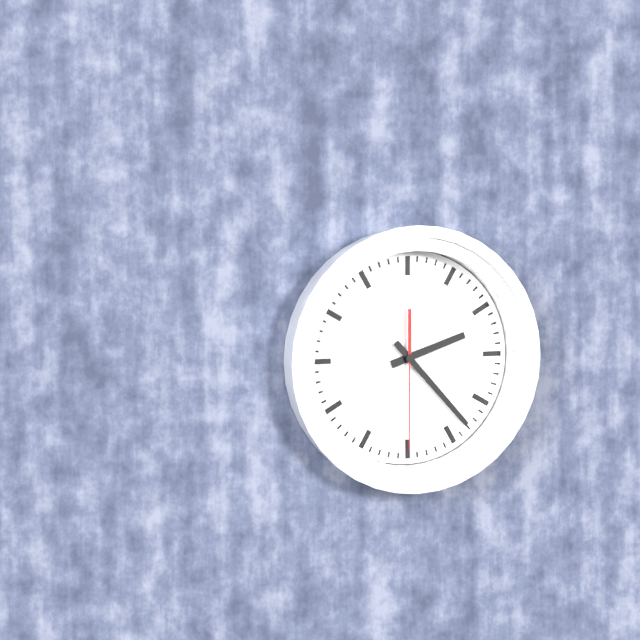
h=2 m=23 s=30
